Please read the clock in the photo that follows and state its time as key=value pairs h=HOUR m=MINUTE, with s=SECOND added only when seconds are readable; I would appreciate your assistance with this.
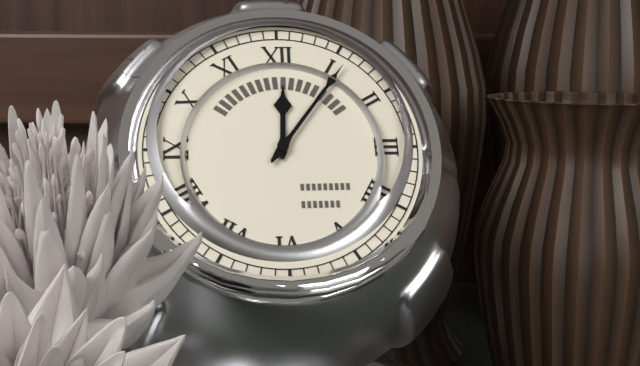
h=12 m=6
